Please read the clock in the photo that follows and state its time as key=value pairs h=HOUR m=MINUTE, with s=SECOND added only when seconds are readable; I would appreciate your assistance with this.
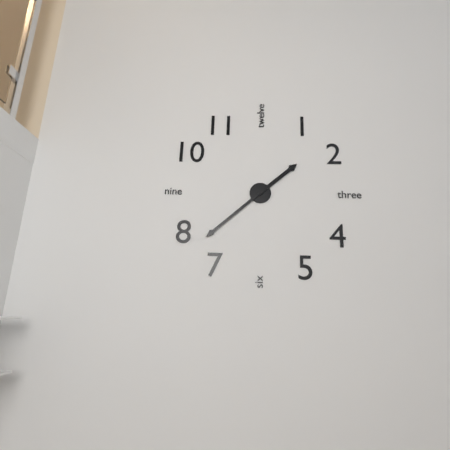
h=1 m=38
